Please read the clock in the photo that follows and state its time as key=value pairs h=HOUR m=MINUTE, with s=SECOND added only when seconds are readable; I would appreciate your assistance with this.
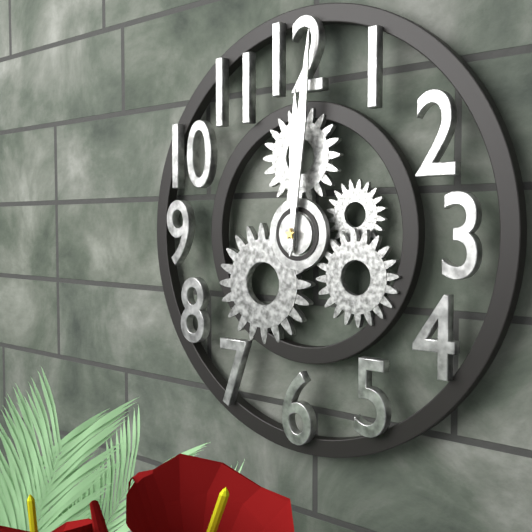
h=12 m=1
